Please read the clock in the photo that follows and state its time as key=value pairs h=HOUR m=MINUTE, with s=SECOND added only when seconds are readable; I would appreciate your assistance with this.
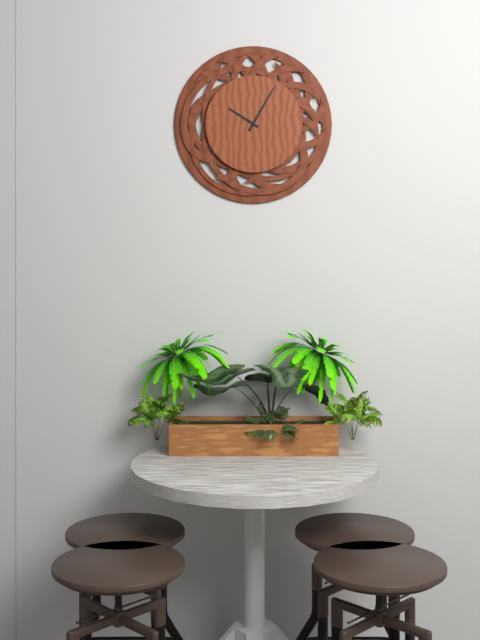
h=10 m=5
